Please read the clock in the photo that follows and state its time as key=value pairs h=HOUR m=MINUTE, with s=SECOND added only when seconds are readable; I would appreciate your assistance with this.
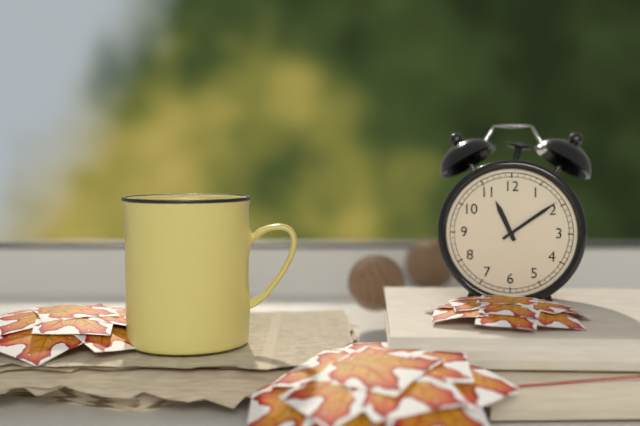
h=11 m=9
